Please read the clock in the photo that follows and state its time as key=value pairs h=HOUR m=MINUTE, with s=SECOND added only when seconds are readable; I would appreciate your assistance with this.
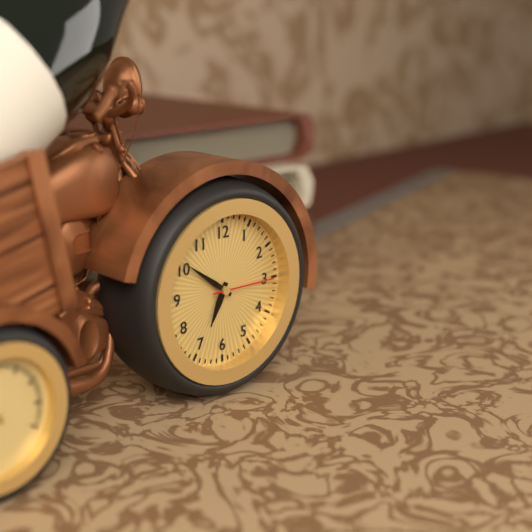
h=6 m=51 s=15
